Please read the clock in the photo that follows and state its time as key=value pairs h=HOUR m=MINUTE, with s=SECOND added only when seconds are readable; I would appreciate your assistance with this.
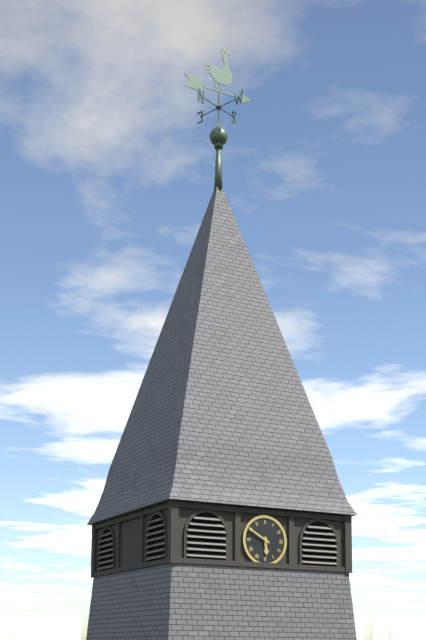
h=5 m=50
